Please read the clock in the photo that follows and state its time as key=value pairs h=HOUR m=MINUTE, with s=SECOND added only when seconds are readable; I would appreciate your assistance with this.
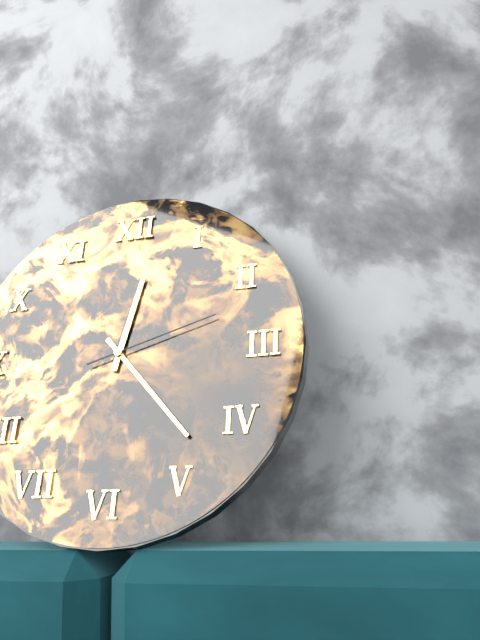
h=12 m=23 s=12
